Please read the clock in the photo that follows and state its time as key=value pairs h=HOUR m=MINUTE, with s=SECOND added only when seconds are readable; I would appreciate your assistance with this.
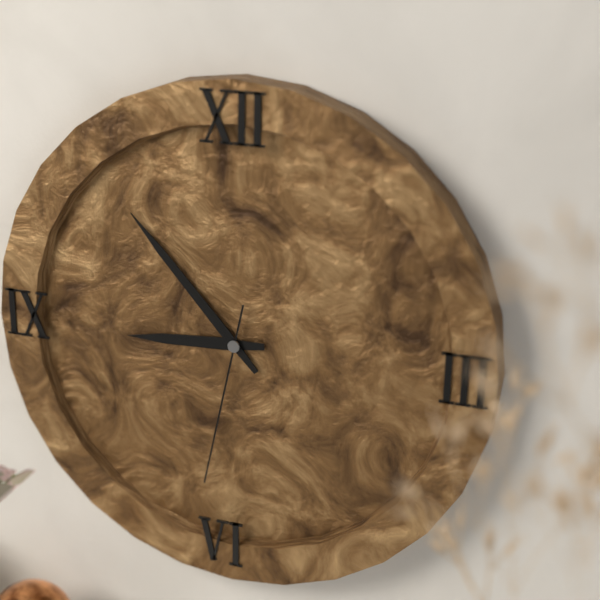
h=8 m=53 s=32
